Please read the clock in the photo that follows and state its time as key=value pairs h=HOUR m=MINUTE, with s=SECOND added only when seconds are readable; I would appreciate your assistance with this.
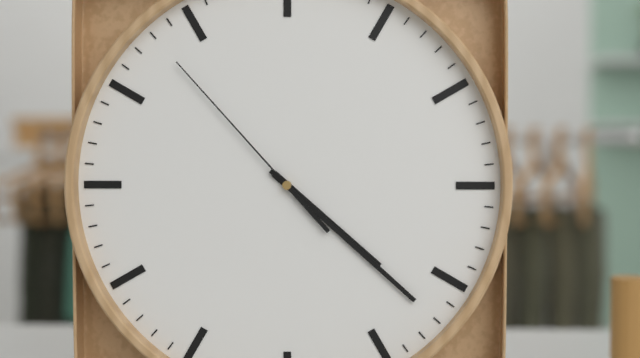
h=4 m=22 s=53
